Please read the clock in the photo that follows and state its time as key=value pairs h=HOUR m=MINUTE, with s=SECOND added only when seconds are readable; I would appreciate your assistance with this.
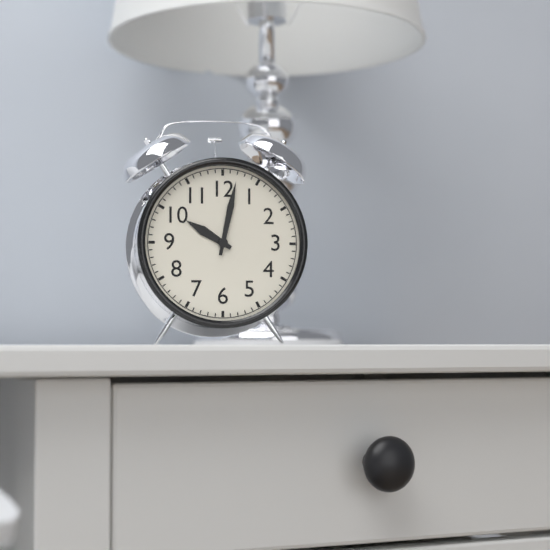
h=10 m=2
